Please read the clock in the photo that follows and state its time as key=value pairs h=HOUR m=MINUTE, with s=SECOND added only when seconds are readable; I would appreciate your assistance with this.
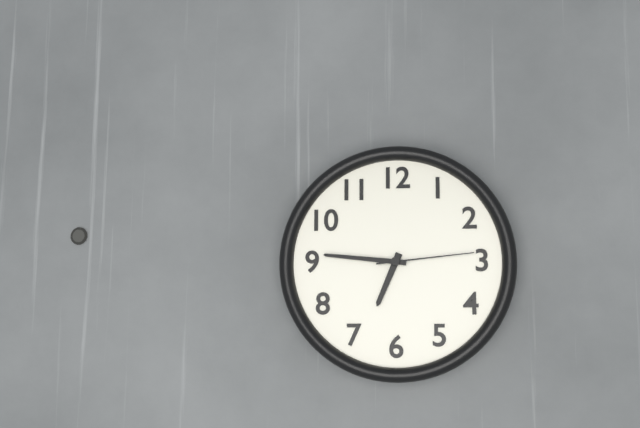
h=6 m=46 s=14
